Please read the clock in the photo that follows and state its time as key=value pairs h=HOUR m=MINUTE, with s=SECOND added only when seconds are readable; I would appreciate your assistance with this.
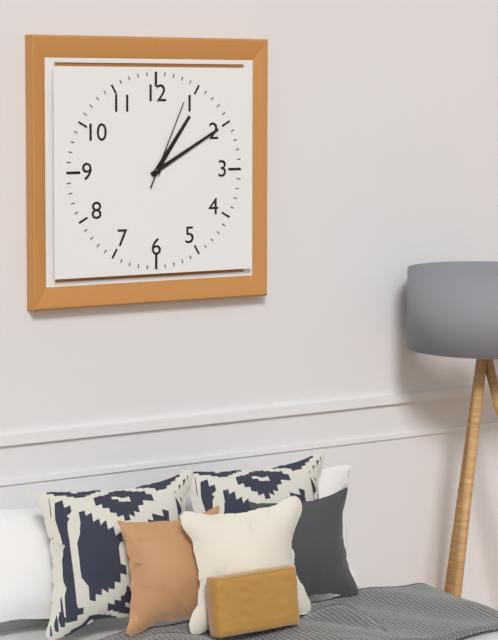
h=1 m=10 s=4
